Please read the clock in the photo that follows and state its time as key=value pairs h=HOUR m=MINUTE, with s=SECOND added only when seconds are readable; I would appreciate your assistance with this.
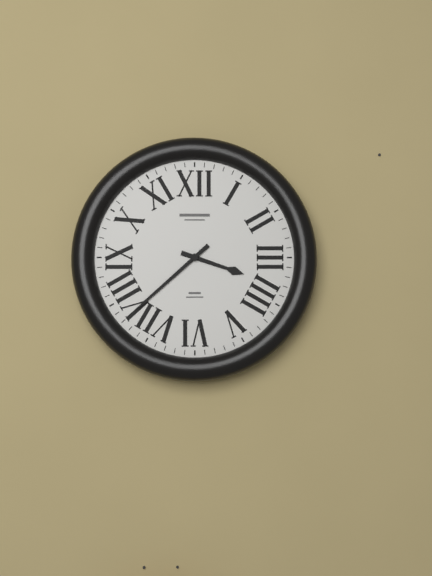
h=3 m=38
